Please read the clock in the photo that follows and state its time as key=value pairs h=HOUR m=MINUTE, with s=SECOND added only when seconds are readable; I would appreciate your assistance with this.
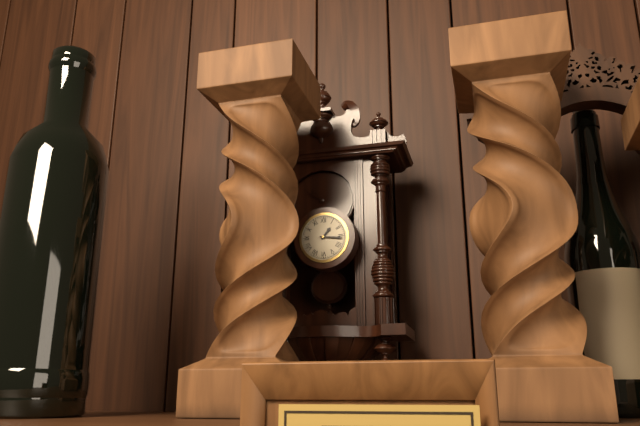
h=1 m=16
